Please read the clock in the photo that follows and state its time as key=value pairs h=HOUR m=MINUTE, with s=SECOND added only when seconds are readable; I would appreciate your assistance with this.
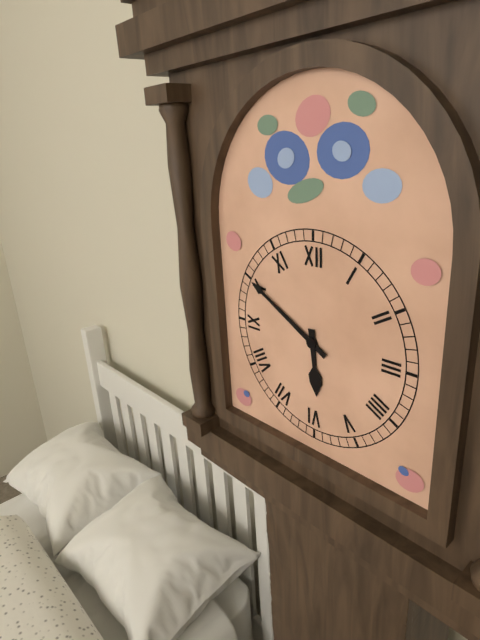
h=5 m=50
